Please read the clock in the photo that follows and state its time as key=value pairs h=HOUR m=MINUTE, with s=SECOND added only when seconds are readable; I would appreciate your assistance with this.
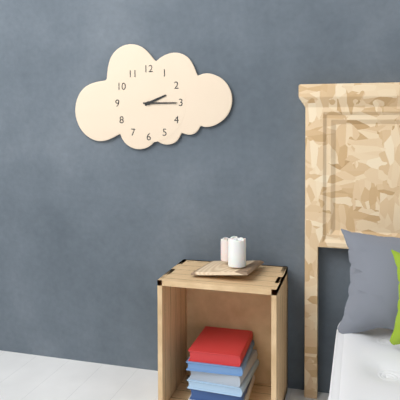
h=2 m=15
